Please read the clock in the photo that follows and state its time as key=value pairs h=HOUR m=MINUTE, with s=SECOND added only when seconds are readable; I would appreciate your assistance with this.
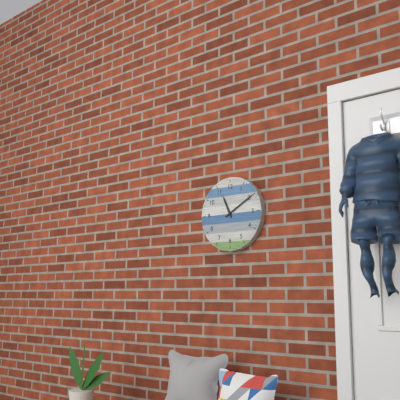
h=11 m=10
